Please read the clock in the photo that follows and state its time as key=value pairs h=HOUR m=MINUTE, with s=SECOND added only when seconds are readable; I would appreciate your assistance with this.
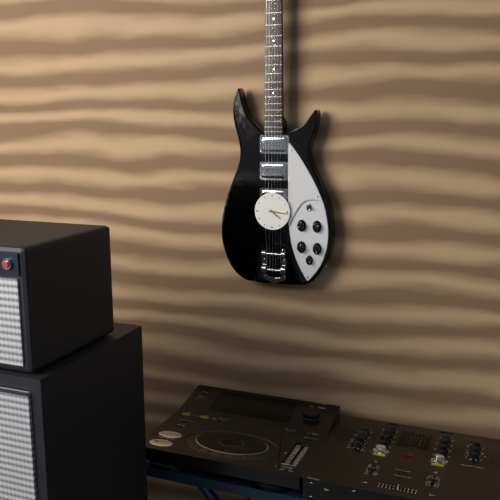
h=4 m=16
